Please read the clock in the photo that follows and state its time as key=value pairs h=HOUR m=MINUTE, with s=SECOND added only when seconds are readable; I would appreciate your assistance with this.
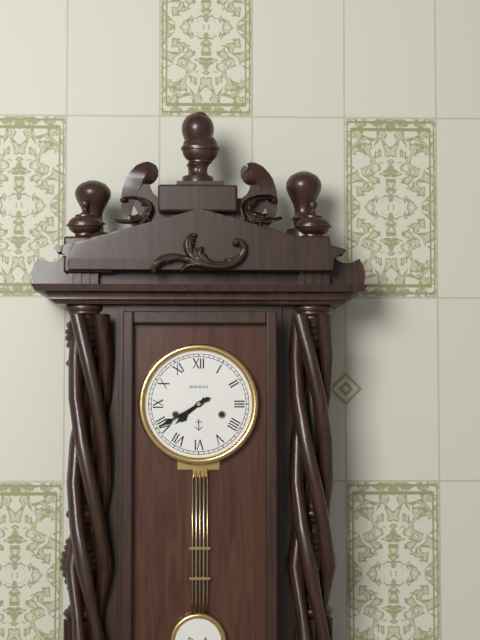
h=7 m=40
